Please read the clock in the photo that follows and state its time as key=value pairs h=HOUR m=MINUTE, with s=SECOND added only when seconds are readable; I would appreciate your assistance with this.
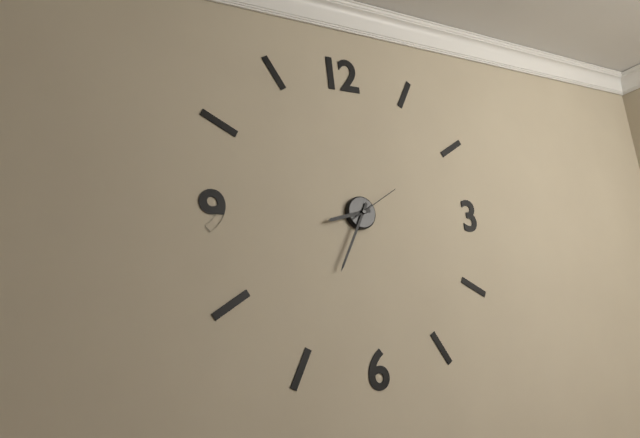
h=8 m=35 s=10
